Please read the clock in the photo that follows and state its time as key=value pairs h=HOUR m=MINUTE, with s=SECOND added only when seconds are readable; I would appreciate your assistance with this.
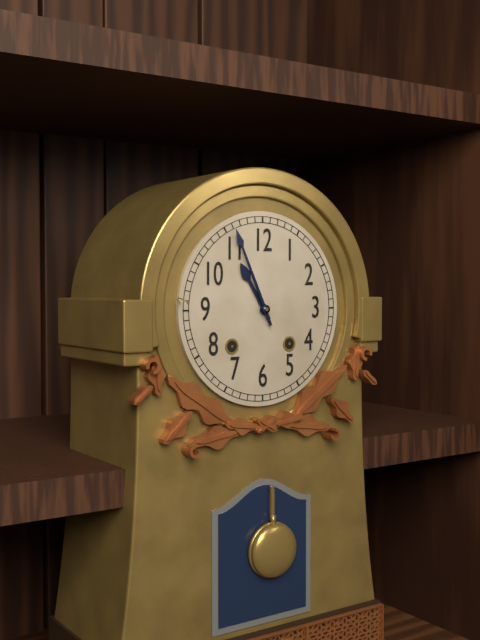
h=10 m=56
